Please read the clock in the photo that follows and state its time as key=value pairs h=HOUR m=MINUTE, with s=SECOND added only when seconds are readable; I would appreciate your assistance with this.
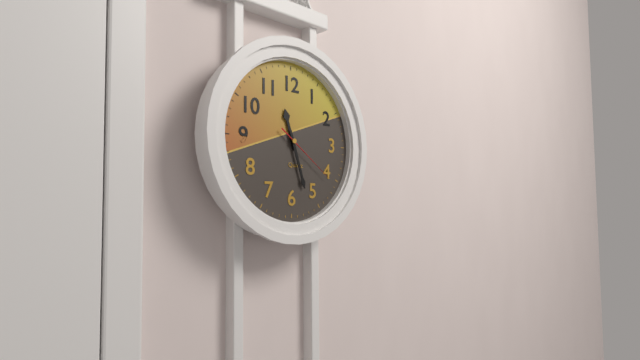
h=11 m=27 s=21
